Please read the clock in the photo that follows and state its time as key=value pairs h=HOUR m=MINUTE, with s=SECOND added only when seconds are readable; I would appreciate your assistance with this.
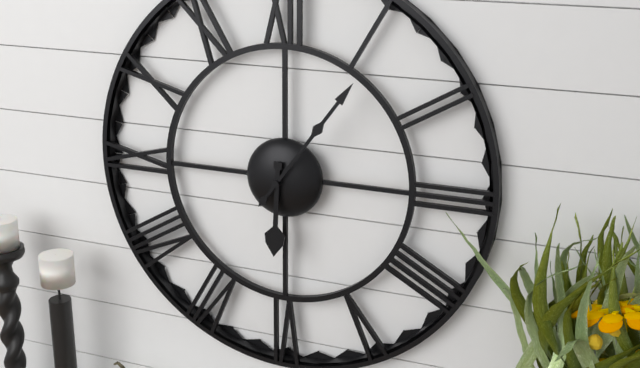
h=6 m=6
